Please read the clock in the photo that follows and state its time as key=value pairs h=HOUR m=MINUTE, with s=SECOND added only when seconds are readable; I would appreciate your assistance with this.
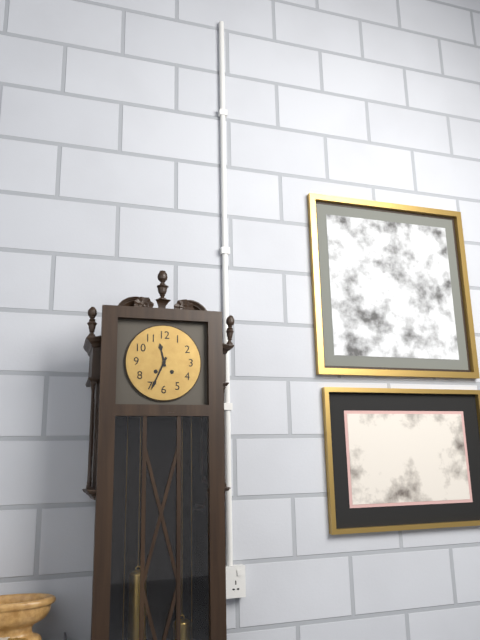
h=11 m=34
